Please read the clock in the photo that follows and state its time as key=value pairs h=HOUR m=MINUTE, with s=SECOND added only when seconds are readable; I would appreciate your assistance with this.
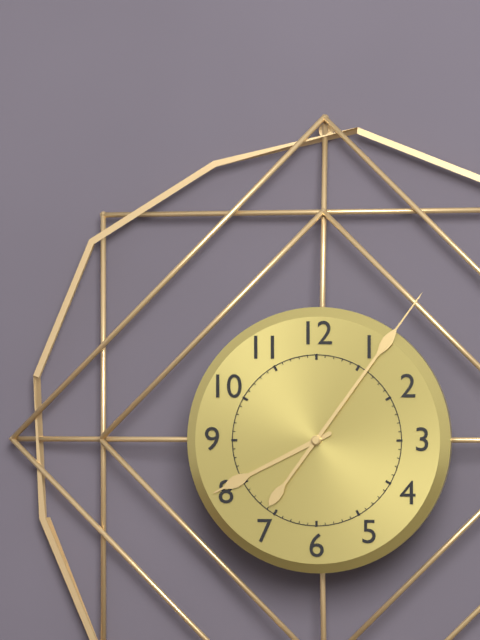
h=8 m=6
